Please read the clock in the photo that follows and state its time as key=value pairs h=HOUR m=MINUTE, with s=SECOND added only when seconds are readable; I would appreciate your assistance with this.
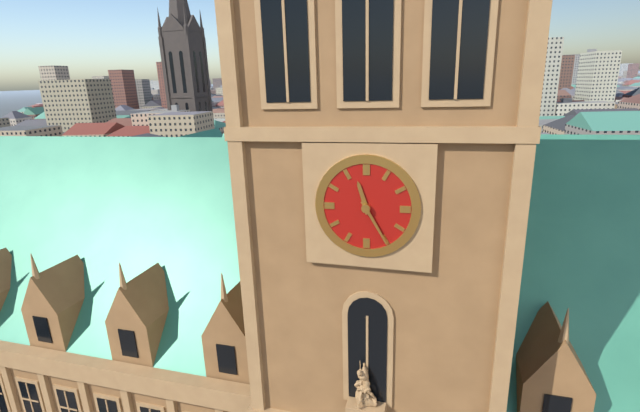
h=11 m=25
